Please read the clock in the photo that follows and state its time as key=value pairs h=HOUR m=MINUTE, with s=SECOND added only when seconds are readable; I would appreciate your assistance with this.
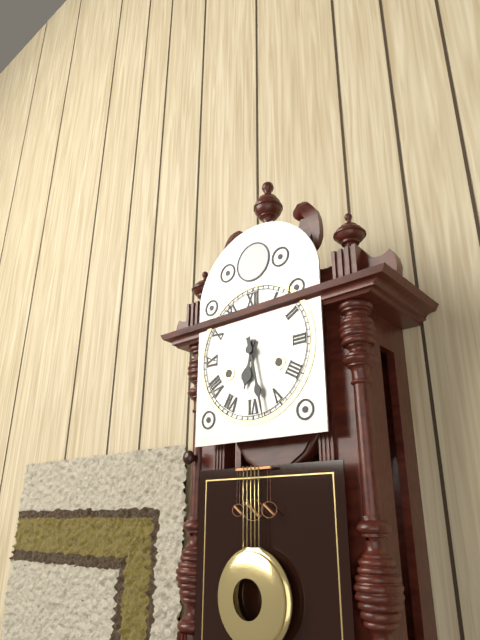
h=6 m=28
